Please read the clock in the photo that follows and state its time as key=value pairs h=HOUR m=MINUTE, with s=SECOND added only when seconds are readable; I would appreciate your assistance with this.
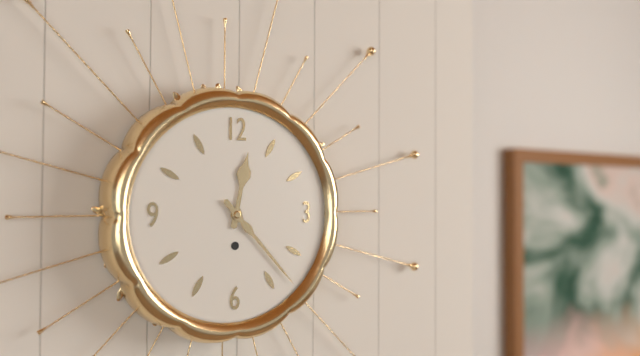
h=12 m=23
